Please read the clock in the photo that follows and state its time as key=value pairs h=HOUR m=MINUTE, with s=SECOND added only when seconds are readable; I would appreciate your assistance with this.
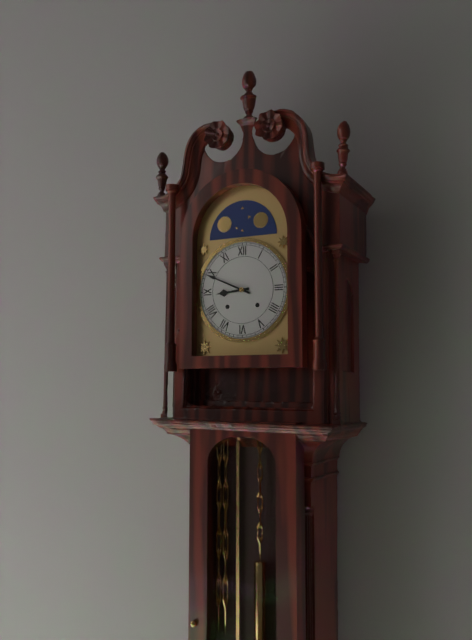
h=8 m=49
